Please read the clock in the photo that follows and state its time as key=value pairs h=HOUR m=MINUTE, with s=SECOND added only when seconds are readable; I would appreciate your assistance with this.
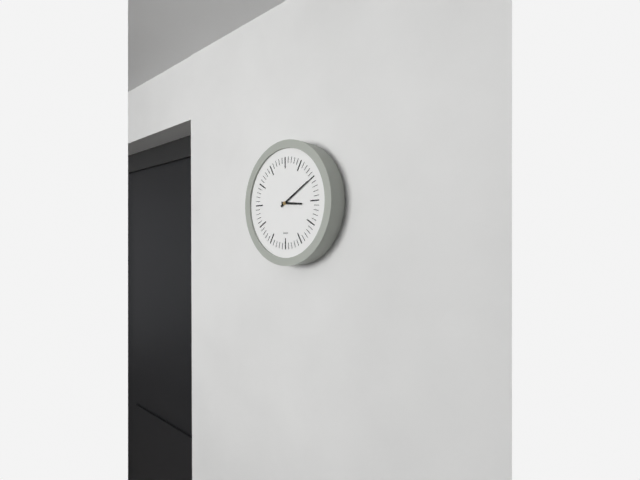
h=3 m=10
